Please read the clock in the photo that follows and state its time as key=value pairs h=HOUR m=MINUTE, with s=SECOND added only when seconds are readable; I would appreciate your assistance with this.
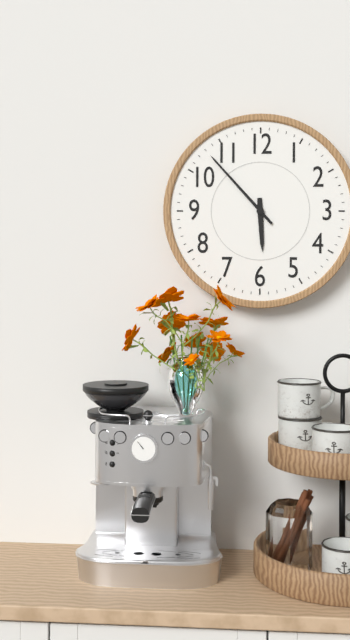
h=5 m=53
